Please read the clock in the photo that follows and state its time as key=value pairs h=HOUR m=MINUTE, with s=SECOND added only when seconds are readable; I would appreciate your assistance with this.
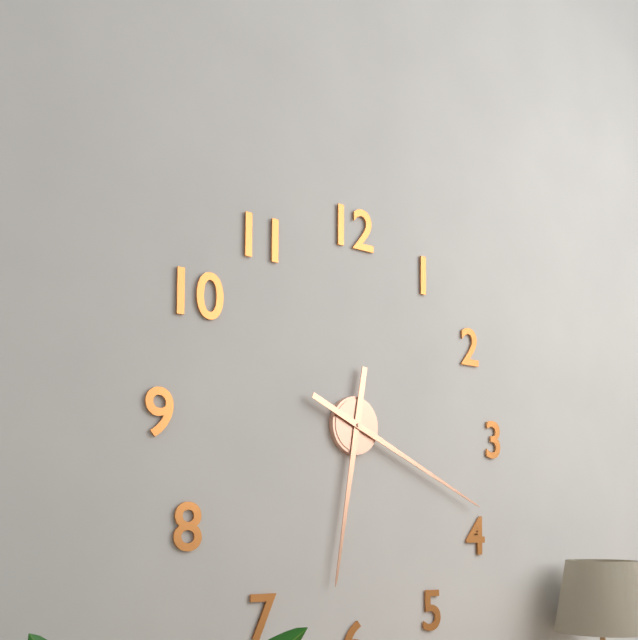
h=6 m=19
